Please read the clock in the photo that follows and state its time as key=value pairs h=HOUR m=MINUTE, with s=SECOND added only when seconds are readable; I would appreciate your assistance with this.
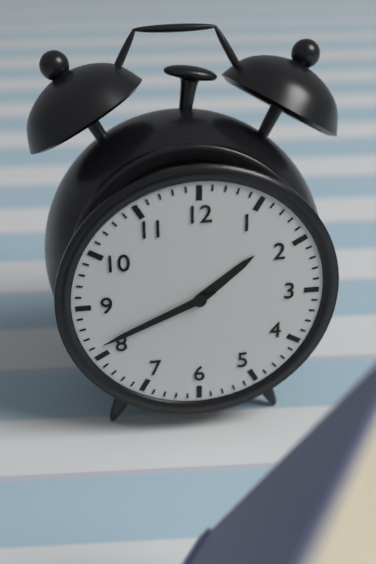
h=1 m=41
